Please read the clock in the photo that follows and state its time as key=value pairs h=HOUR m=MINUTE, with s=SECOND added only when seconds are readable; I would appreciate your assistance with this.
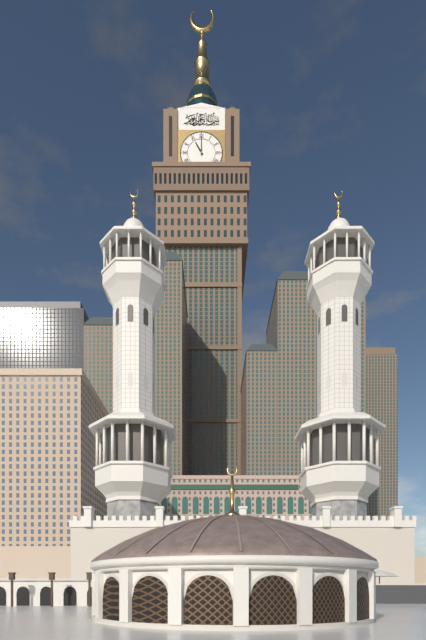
h=11 m=0
